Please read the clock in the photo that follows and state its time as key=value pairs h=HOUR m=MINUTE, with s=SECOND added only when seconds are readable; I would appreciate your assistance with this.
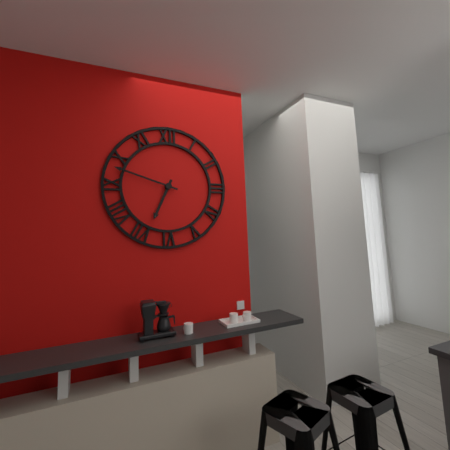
h=6 m=48
